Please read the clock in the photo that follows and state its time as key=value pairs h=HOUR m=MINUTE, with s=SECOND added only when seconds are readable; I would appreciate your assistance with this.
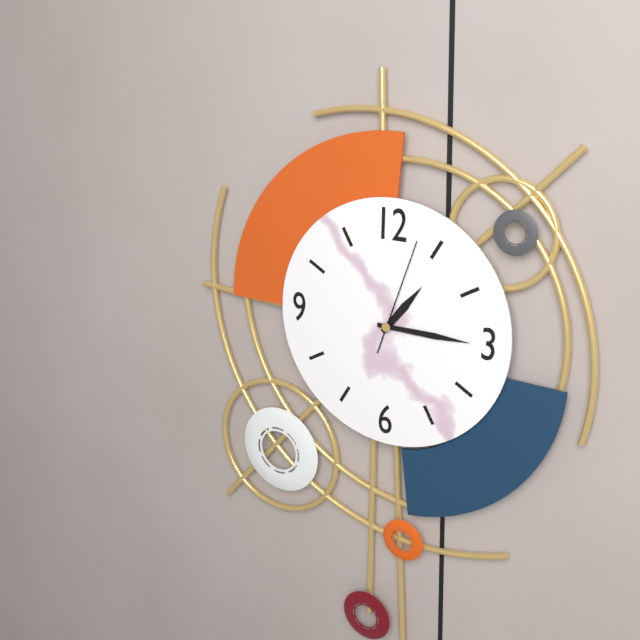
h=1 m=15 s=3
